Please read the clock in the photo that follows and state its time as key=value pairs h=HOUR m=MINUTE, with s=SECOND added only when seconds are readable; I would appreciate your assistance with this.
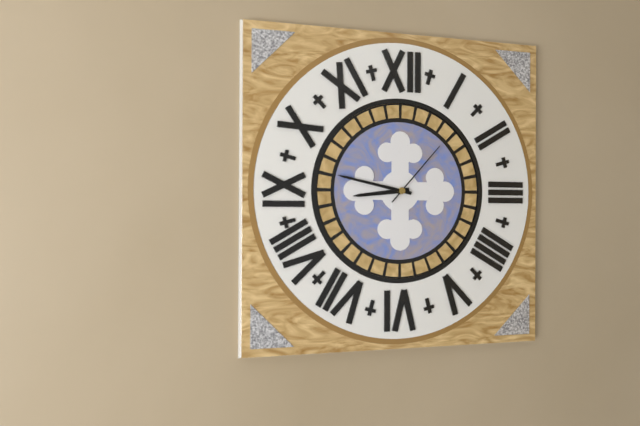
h=8 m=47 s=7
